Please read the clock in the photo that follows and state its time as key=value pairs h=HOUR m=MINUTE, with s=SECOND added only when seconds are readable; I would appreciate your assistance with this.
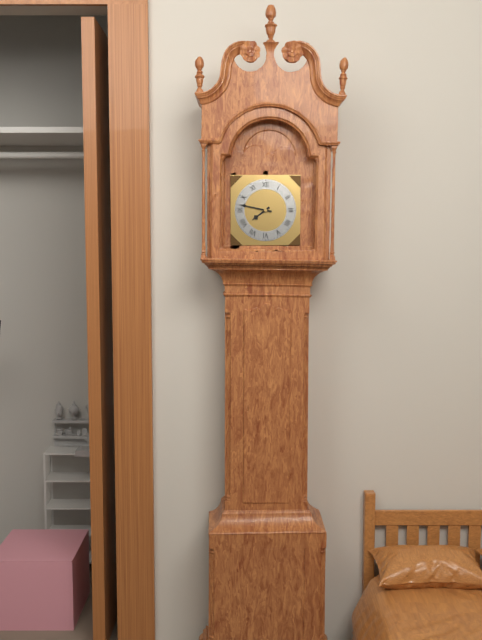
h=7 m=47
